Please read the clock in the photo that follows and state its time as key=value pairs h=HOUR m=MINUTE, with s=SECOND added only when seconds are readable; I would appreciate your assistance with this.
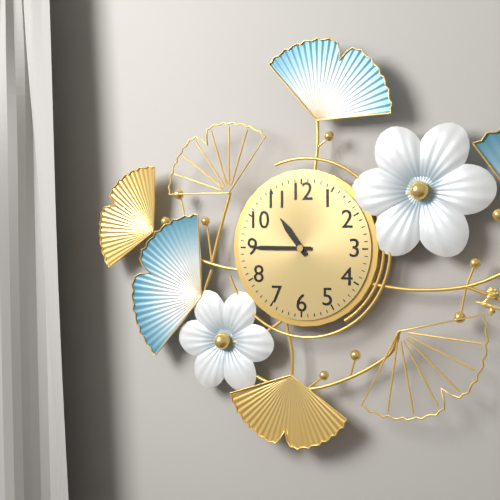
h=10 m=45
